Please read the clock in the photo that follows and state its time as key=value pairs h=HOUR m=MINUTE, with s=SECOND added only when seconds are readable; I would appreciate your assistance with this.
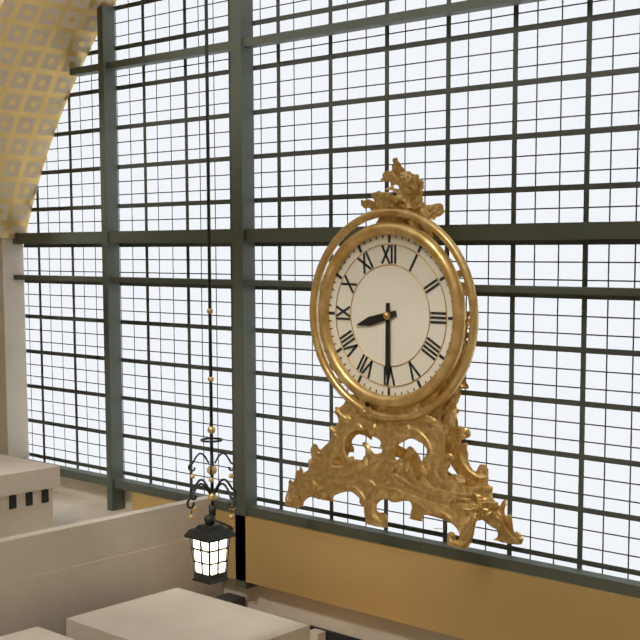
h=8 m=30
